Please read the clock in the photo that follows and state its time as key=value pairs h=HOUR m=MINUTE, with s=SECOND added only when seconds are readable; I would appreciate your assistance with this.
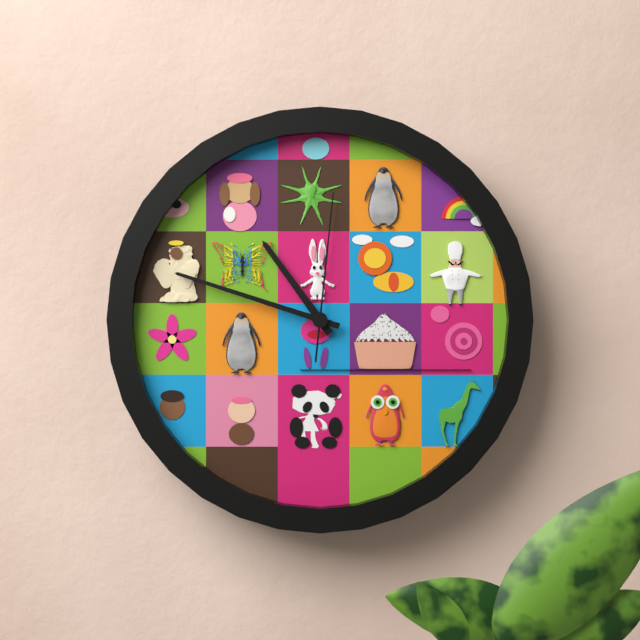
h=10 m=48 s=1
